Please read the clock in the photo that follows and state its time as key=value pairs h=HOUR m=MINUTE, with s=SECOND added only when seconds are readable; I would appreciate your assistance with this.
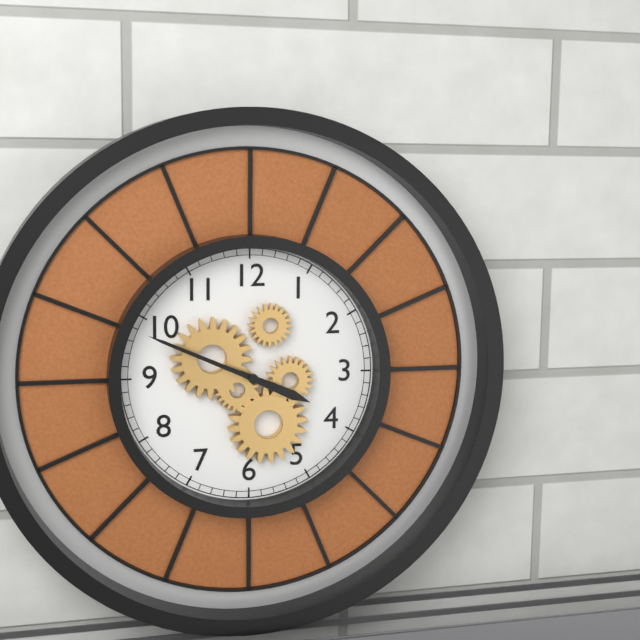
h=3 m=49
